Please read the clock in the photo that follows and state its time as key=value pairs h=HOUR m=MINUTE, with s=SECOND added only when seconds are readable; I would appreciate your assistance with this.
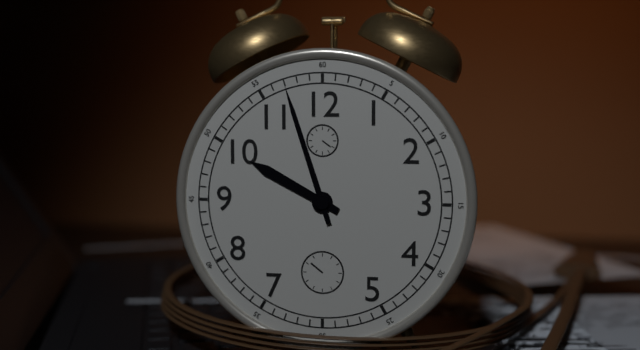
h=9 m=57
